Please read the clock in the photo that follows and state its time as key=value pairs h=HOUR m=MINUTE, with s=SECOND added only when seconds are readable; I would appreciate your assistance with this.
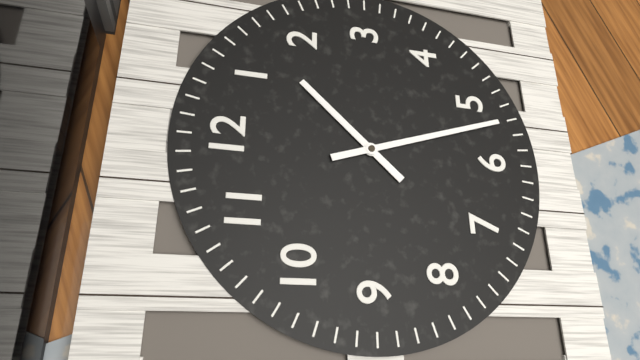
h=1 m=27
